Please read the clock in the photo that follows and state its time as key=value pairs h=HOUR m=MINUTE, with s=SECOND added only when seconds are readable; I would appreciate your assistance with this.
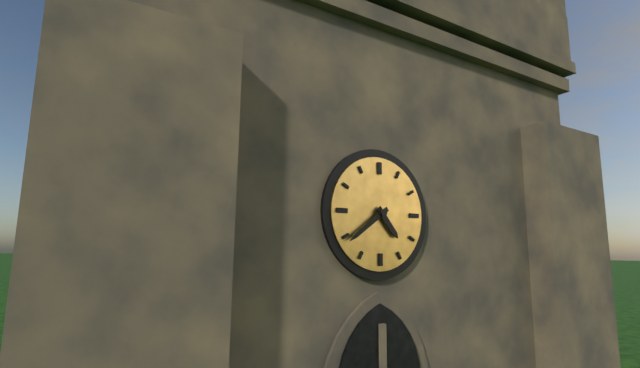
h=4 m=39
